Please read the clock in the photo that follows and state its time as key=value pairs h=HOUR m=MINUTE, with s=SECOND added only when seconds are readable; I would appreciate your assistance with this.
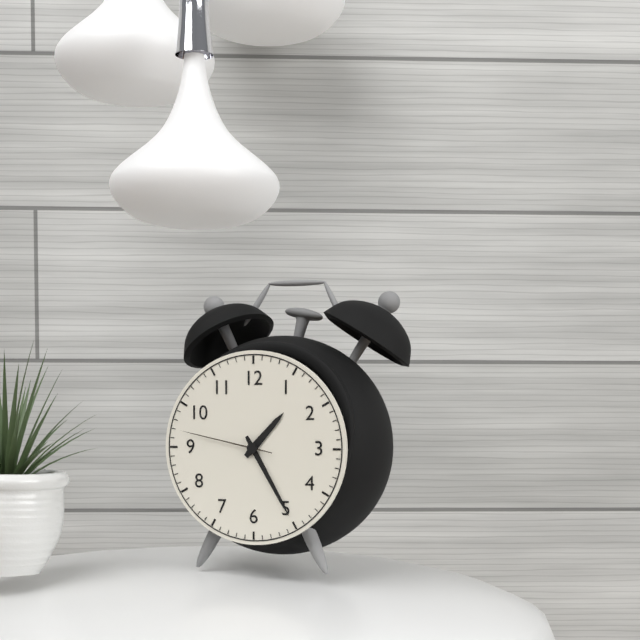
h=1 m=25 s=47
